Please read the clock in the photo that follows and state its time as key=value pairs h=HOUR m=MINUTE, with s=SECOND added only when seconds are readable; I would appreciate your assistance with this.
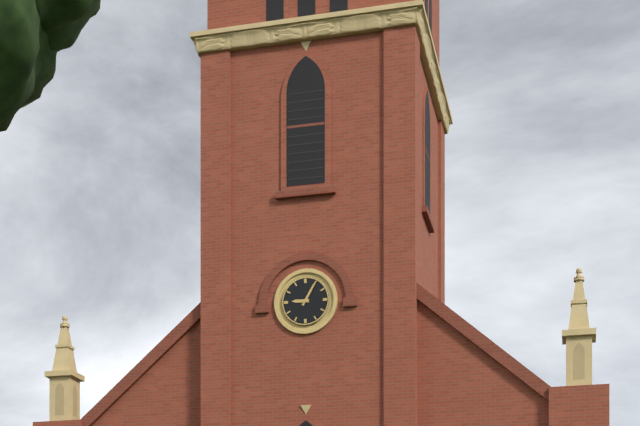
h=9 m=5
